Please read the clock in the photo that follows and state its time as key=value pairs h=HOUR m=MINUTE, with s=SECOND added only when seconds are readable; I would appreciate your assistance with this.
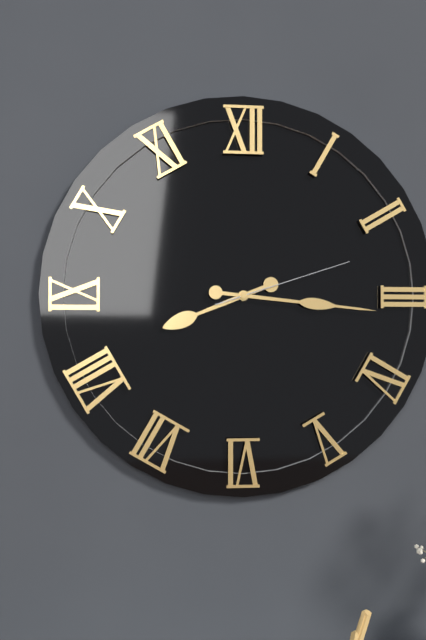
h=8 m=16 s=12
